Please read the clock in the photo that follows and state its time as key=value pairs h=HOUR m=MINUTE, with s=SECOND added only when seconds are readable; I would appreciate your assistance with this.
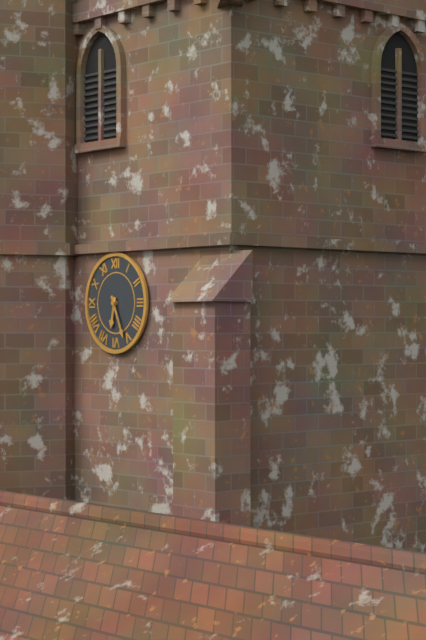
h=6 m=26
